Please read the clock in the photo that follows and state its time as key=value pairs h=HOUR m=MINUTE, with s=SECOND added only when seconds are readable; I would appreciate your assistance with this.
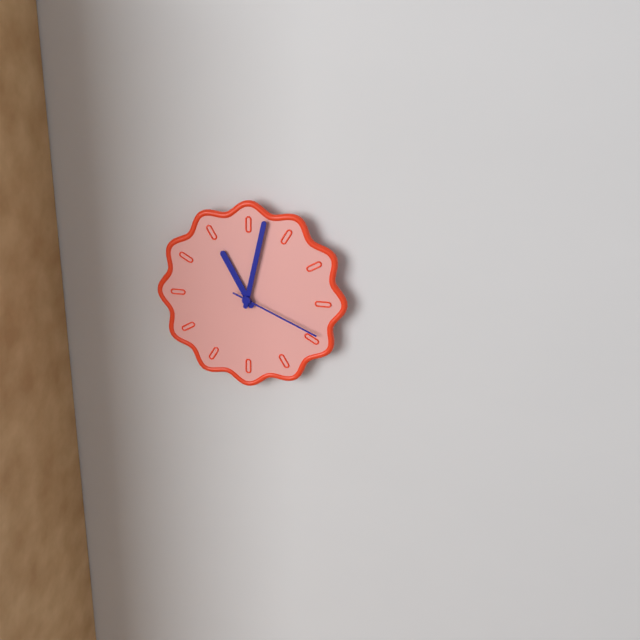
h=11 m=2 s=19
